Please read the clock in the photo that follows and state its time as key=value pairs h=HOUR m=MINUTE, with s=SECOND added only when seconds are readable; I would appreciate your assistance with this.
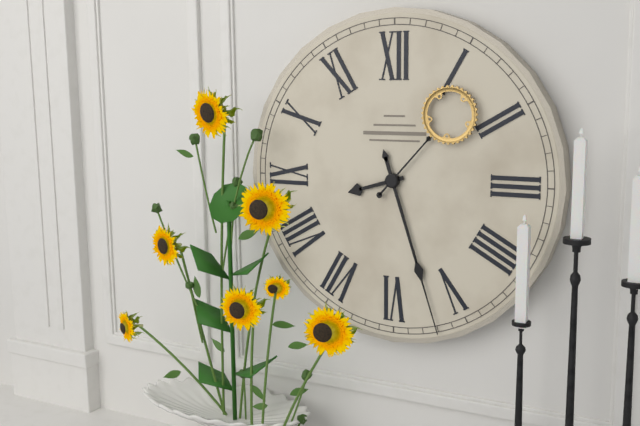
h=8 m=27 s=7
